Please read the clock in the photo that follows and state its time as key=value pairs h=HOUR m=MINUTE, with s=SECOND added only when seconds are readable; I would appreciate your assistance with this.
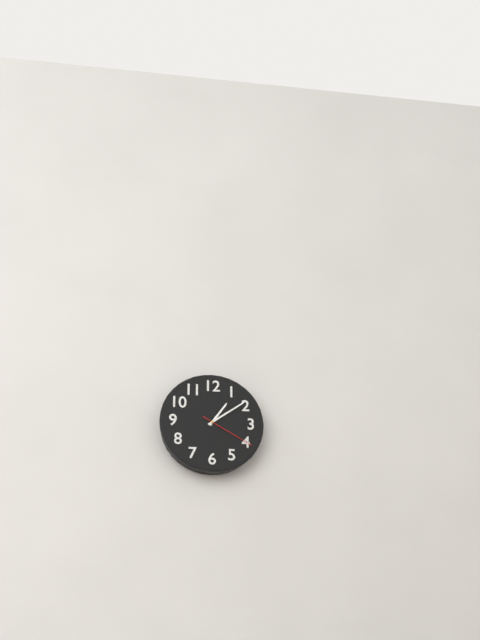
h=1 m=9 s=20
